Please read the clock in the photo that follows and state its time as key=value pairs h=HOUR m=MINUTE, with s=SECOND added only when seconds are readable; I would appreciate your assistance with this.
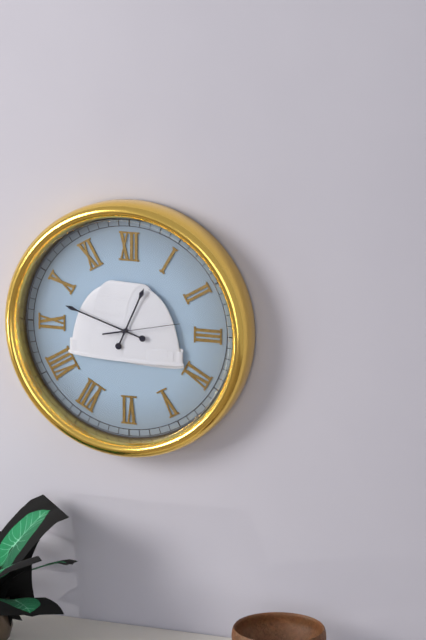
h=12 m=48 s=13
